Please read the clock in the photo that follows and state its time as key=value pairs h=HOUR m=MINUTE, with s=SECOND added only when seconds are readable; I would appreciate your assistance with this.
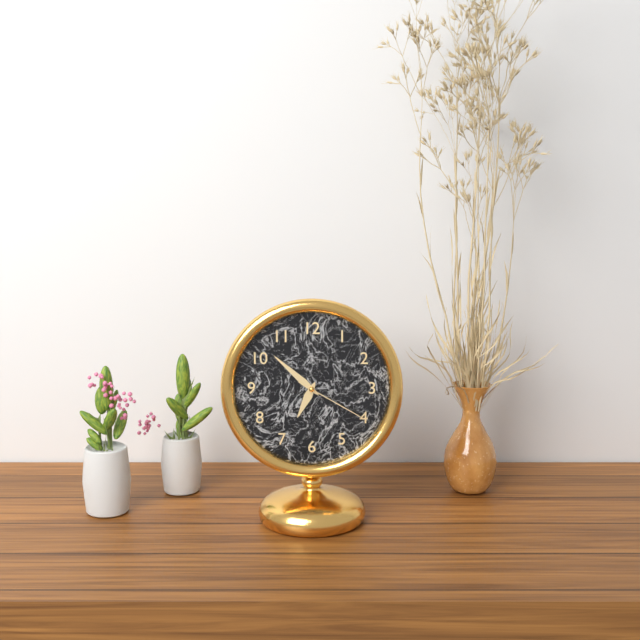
h=6 m=52 s=20
